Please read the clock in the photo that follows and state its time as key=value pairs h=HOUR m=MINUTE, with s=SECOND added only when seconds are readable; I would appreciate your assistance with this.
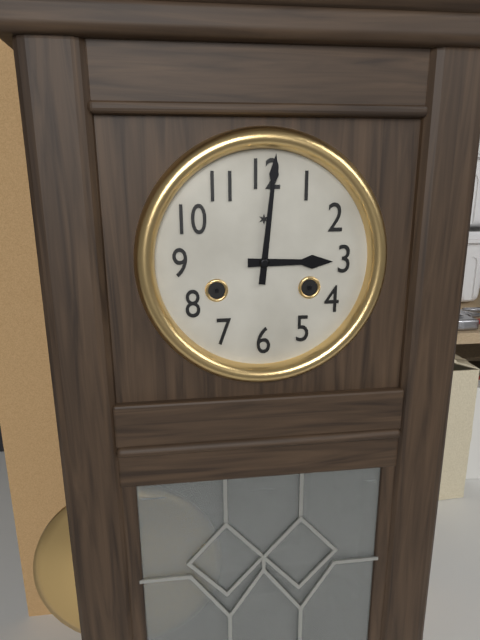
h=3 m=1
